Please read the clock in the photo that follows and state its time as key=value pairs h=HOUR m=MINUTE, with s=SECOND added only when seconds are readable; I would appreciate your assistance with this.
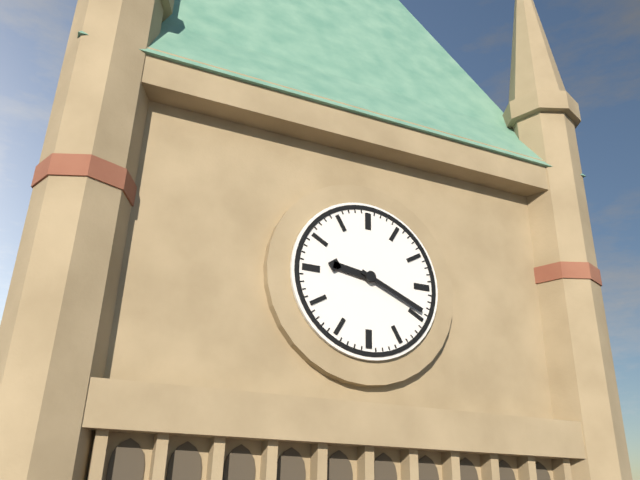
h=9 m=19
